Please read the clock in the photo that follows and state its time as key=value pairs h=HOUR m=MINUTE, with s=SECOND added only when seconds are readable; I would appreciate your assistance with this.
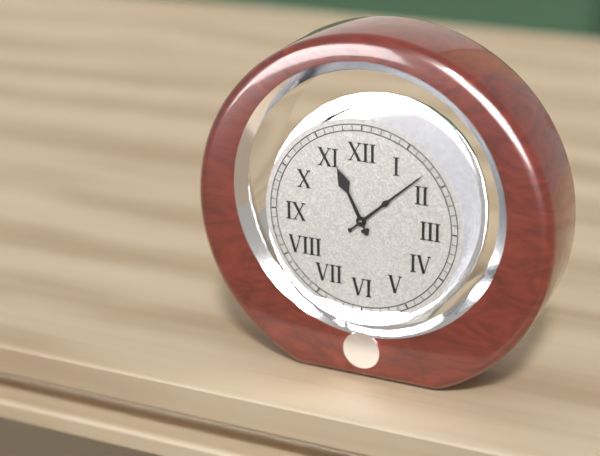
h=11 m=8
